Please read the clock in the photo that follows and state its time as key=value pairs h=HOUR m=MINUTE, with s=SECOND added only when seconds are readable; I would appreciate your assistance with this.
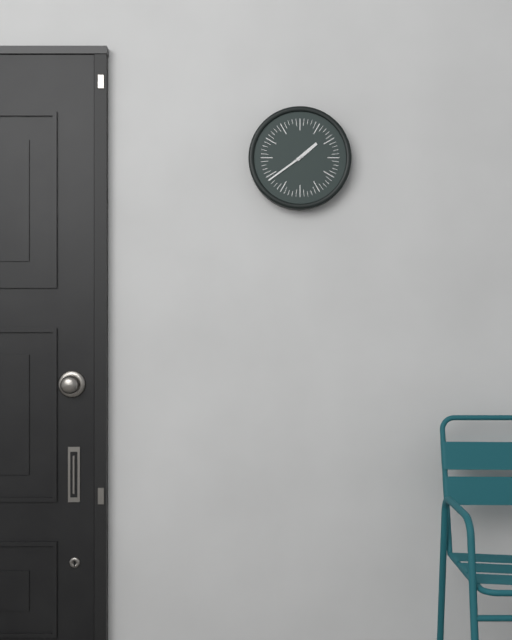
h=1 m=39
